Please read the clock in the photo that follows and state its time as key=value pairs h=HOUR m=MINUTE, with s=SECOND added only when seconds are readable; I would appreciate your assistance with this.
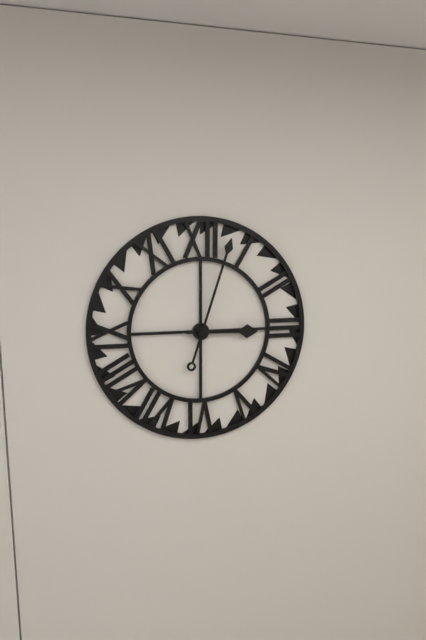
h=3 m=3
